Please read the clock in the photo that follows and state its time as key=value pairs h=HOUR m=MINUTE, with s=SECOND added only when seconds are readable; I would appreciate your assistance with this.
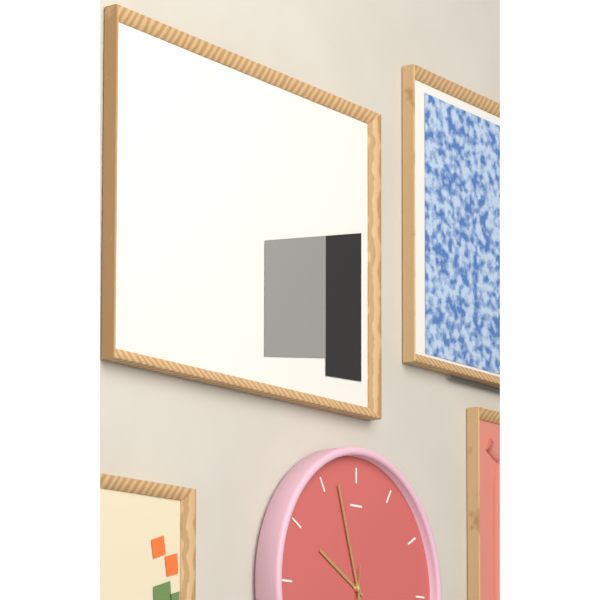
h=9 m=57
